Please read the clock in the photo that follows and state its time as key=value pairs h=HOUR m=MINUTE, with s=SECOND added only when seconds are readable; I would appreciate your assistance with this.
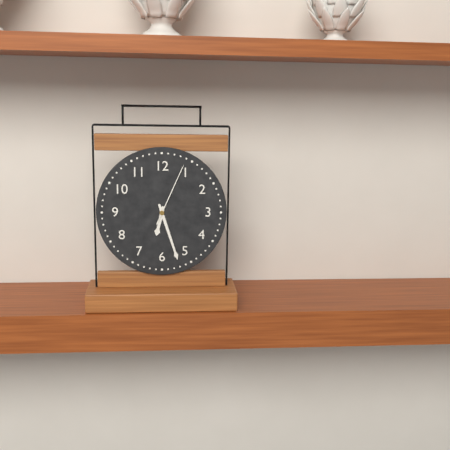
h=6 m=27 s=4
